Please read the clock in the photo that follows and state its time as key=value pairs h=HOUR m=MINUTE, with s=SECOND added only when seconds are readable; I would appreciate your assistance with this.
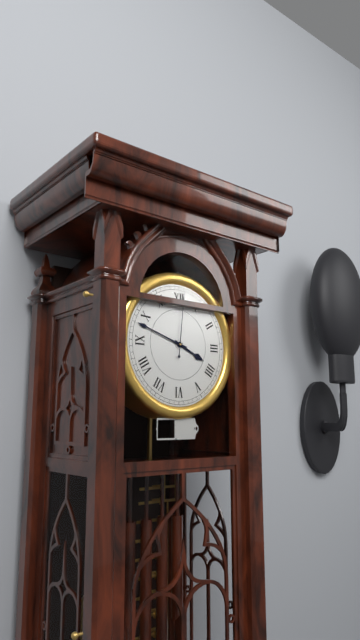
h=3 m=48 s=1
